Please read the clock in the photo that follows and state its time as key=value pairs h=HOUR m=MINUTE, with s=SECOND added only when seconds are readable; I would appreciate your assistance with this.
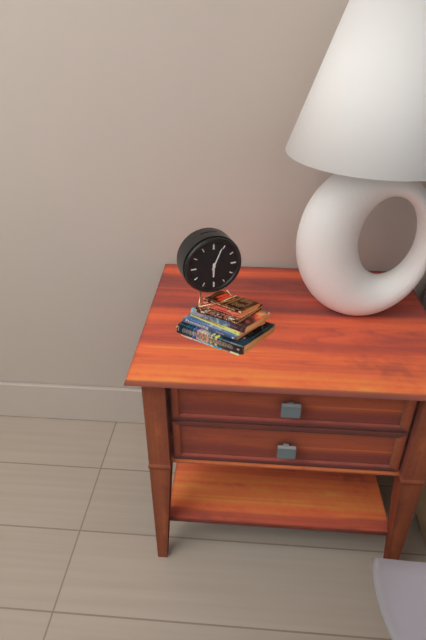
h=6 m=4
